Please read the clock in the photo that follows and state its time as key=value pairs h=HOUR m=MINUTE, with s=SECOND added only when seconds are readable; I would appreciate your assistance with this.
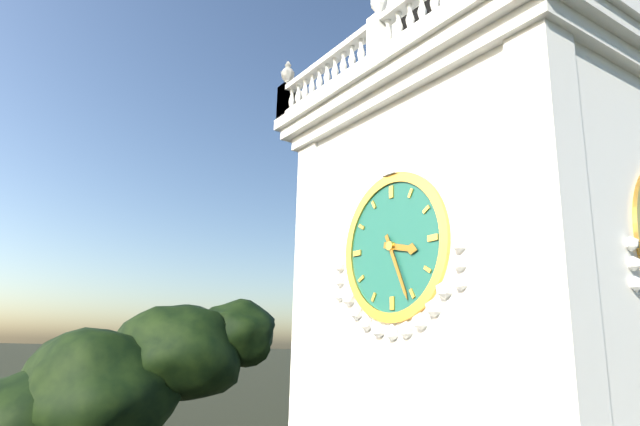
h=3 m=26
